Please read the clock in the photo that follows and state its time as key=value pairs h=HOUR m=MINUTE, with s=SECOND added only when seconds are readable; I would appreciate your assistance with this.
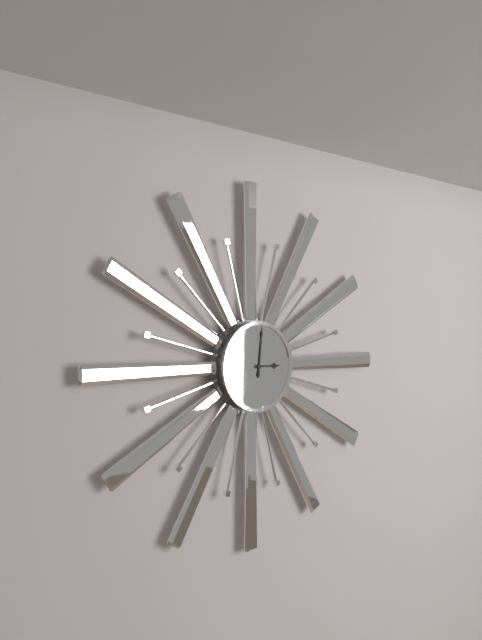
h=3 m=1
